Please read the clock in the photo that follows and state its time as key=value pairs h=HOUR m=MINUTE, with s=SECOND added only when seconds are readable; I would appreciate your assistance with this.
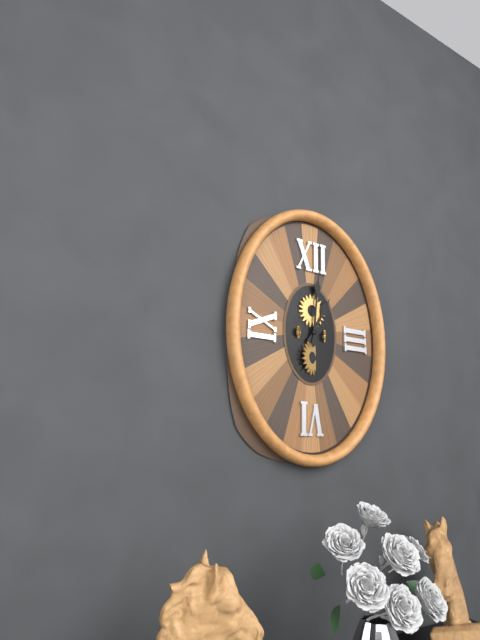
h=1 m=1
